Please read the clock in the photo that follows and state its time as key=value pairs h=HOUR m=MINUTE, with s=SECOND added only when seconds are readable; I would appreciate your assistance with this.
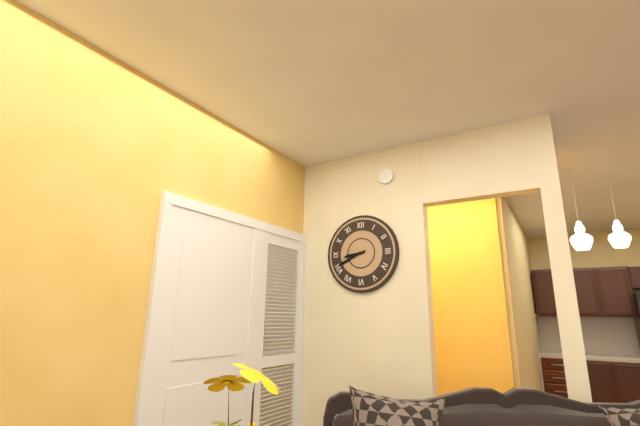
h=8 m=41
